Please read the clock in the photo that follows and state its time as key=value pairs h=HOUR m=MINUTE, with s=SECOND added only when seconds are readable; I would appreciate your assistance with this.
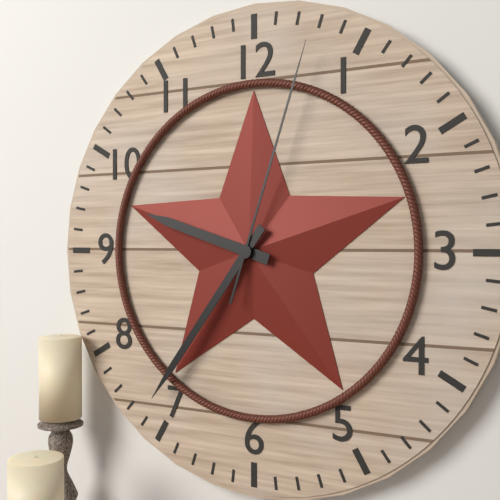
h=9 m=36 s=3
